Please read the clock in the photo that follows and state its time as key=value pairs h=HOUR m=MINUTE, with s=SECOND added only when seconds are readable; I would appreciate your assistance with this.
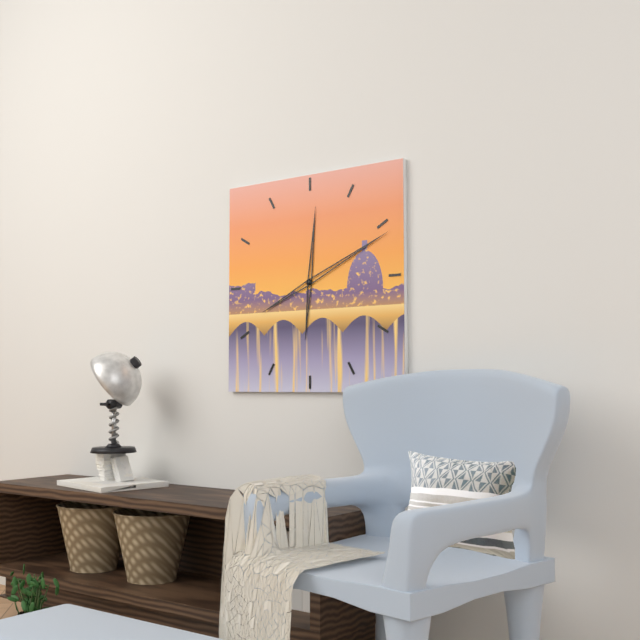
h=12 m=11
